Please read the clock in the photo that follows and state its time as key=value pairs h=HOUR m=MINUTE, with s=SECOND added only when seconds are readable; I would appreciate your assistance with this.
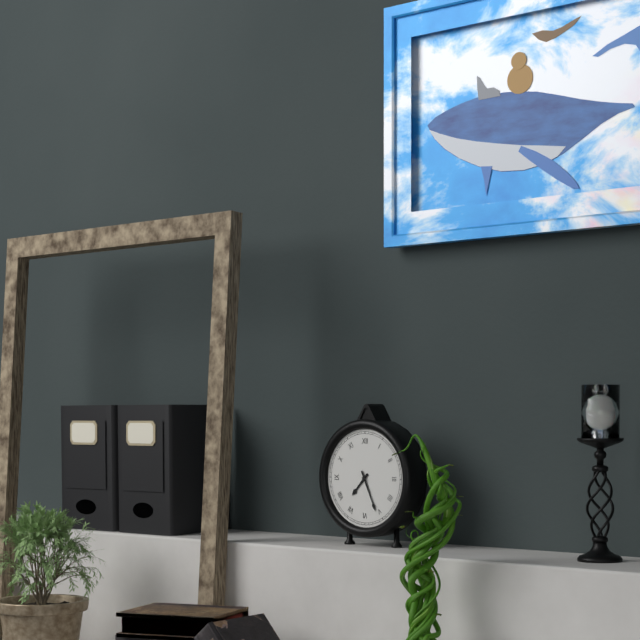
h=7 m=26
